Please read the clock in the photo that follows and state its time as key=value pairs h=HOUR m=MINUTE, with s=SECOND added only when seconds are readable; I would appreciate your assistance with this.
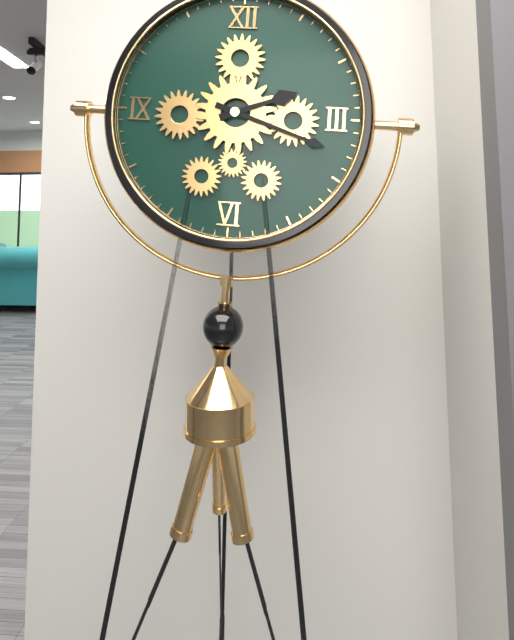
h=2 m=18
